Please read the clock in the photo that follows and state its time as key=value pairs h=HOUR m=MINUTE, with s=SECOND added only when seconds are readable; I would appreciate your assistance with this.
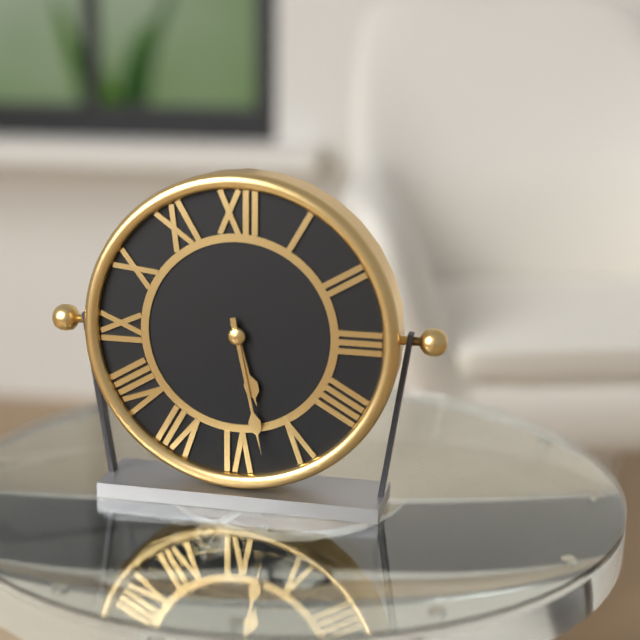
h=5 m=28
